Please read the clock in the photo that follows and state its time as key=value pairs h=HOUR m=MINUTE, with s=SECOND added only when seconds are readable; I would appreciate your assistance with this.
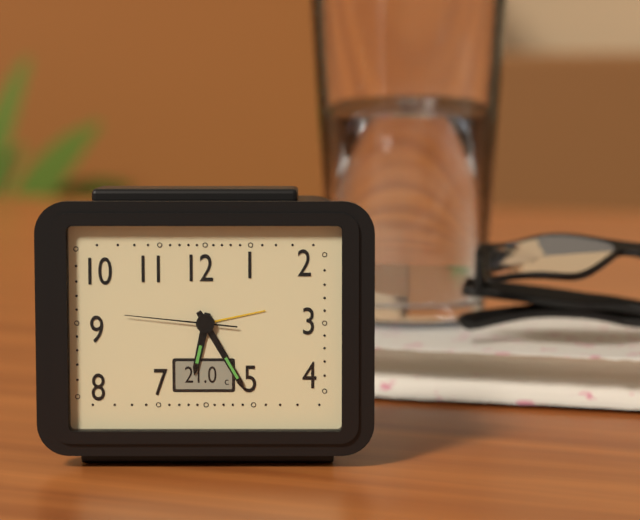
h=6 m=25 s=46
